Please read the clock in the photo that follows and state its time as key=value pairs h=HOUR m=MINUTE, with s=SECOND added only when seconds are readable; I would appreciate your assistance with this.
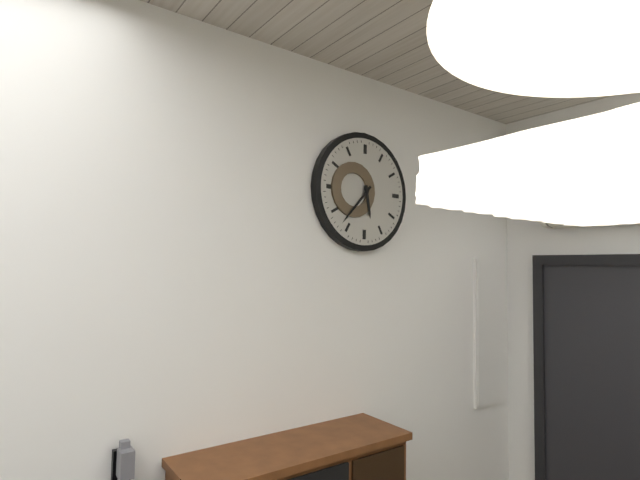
h=5 m=37
